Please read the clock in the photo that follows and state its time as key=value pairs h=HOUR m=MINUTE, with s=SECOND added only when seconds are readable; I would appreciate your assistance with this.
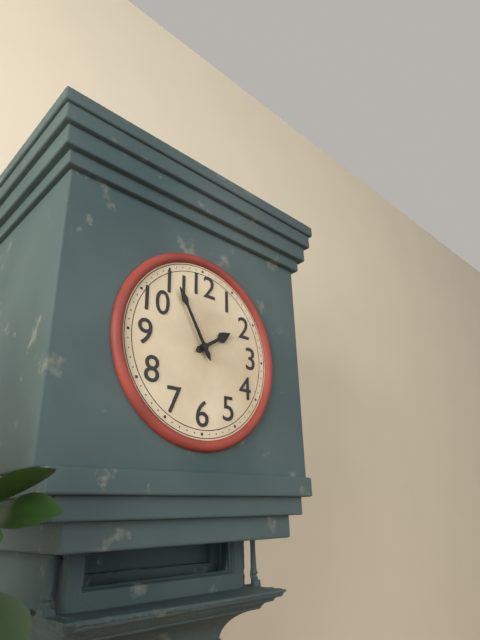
h=1 m=55
